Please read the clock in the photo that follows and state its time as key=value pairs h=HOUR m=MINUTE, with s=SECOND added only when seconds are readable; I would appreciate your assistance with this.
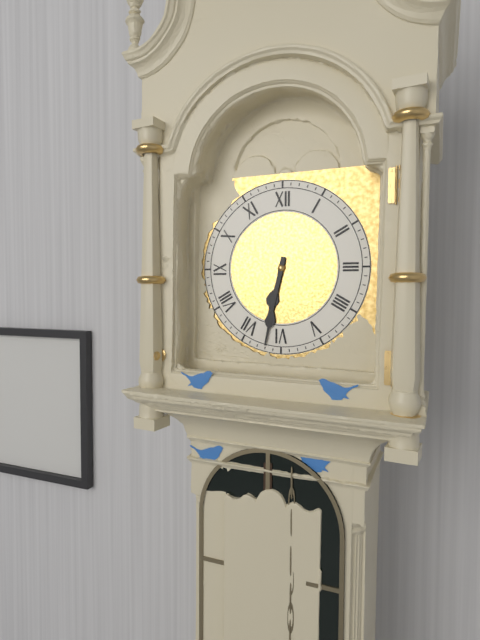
h=6 m=32
